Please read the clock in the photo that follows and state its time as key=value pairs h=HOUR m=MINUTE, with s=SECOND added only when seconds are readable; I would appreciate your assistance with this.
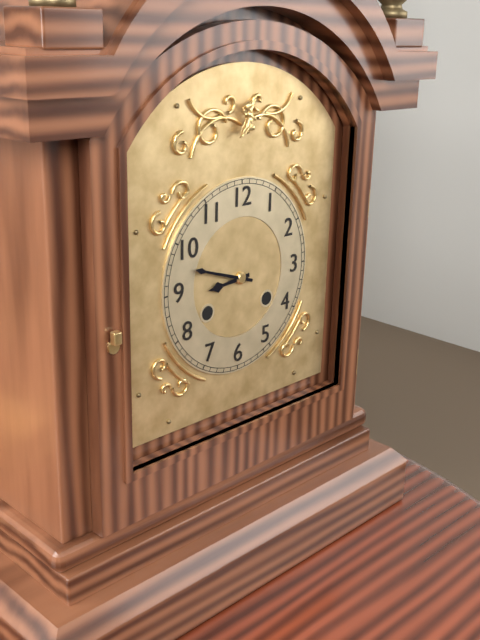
h=8 m=48
